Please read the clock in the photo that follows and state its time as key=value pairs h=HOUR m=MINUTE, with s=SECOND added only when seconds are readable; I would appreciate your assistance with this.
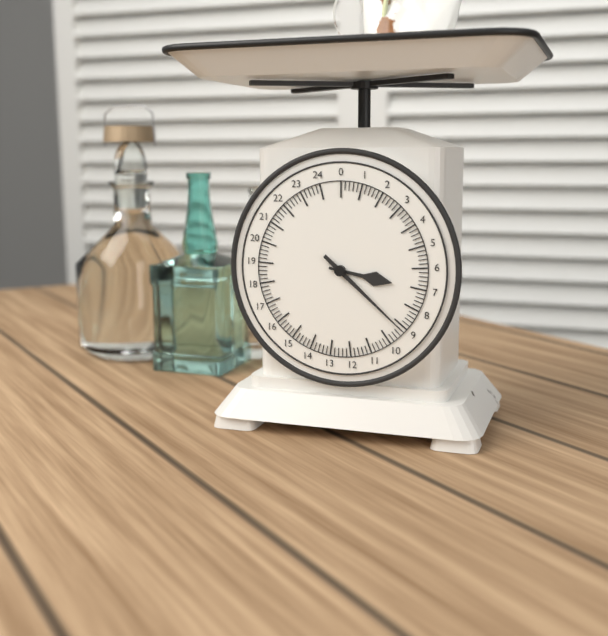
h=3 m=22
